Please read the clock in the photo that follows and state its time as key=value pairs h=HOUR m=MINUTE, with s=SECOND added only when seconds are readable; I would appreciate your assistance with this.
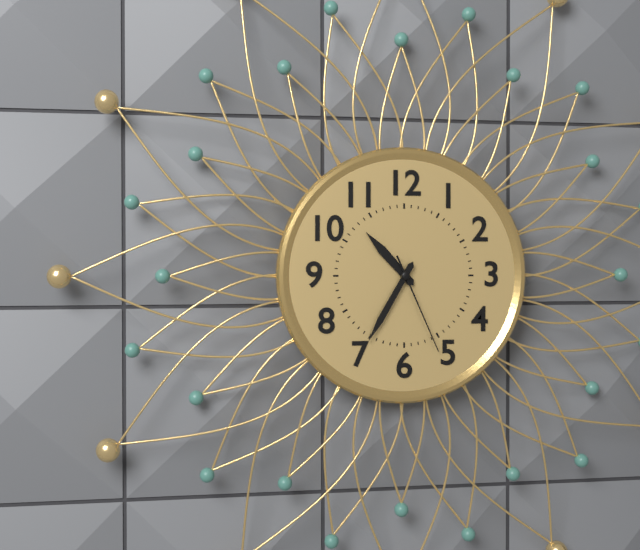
h=10 m=35 s=26
